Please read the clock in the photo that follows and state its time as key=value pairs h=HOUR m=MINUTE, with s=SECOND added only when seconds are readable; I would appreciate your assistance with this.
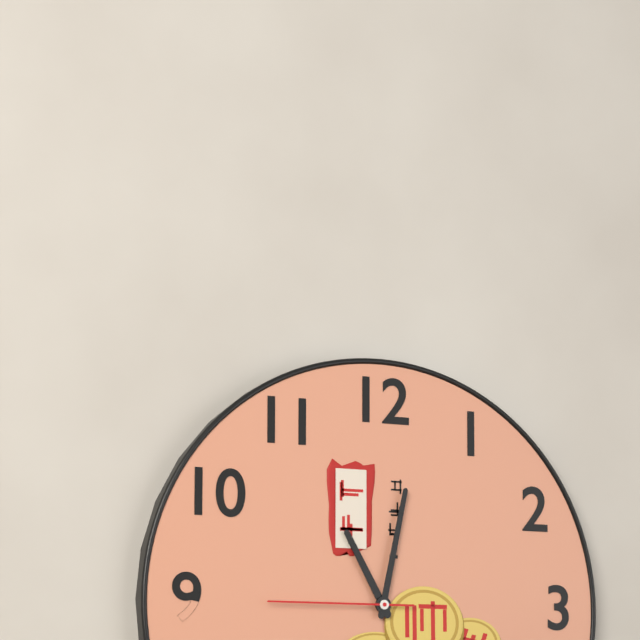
h=11 m=2 s=45
